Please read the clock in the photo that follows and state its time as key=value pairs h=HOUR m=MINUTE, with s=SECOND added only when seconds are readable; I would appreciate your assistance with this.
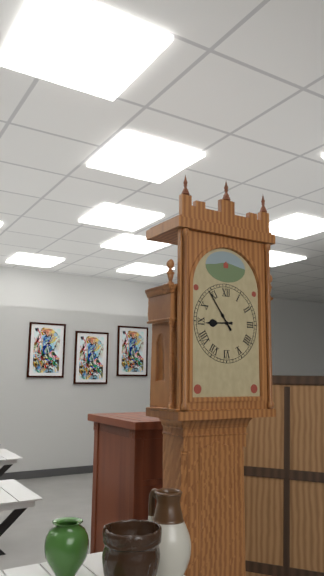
h=8 m=54
